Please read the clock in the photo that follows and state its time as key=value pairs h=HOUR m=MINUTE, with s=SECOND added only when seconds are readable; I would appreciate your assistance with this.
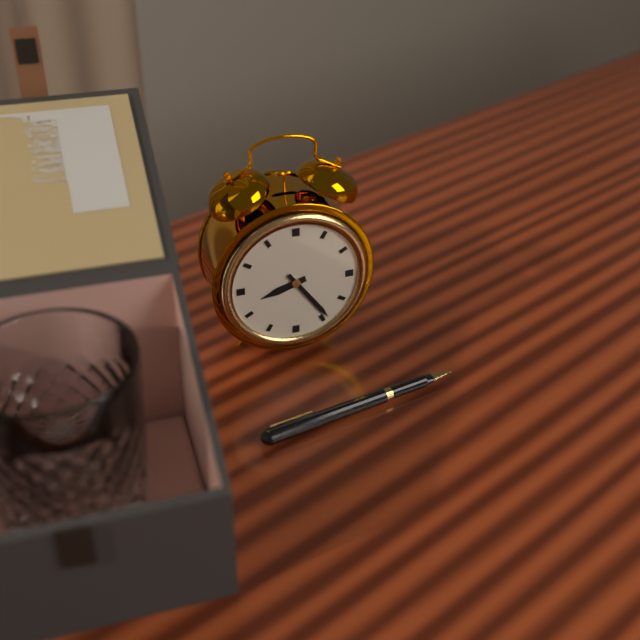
h=8 m=24
